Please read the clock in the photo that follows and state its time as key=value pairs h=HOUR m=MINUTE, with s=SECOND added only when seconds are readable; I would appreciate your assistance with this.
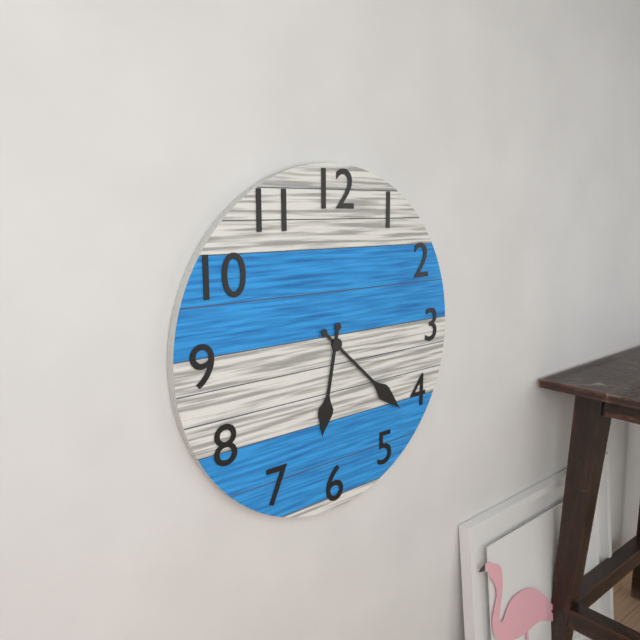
h=6 m=22
